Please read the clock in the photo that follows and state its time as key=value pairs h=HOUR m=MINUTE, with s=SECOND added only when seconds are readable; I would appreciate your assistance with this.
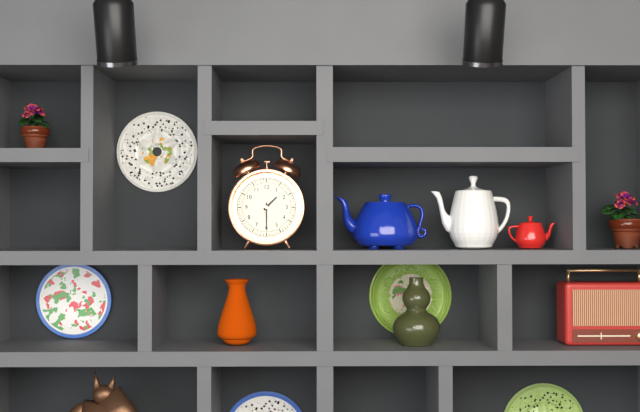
h=1 m=30
